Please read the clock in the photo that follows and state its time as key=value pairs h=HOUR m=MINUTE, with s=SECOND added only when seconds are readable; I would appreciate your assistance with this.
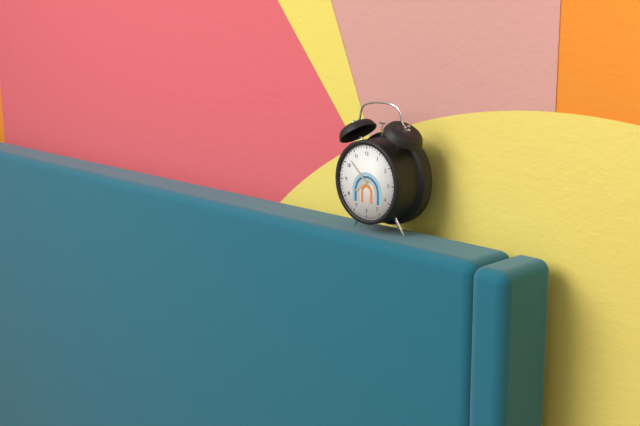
h=7 m=52
